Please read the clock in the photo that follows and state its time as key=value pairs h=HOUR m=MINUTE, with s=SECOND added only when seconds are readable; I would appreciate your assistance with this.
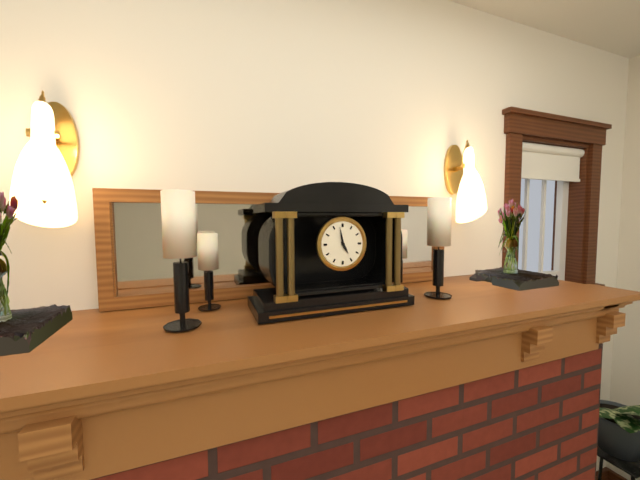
h=4 m=58
